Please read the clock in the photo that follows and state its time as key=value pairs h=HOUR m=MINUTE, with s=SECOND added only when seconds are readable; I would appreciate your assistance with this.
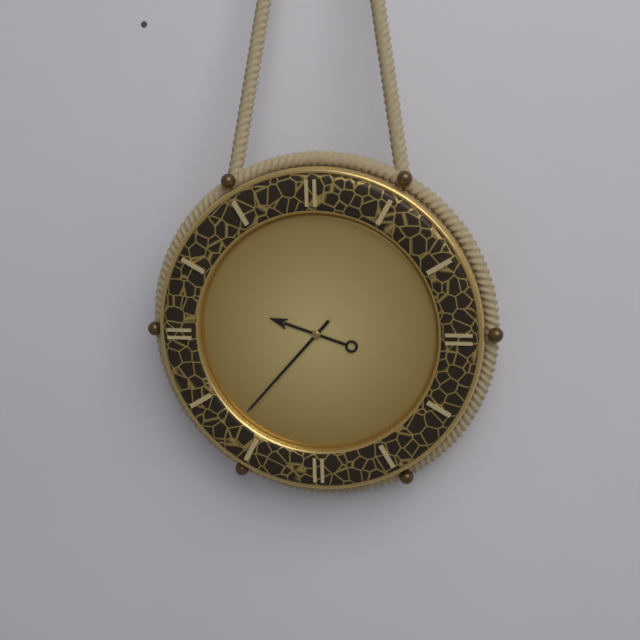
h=9 m=37
